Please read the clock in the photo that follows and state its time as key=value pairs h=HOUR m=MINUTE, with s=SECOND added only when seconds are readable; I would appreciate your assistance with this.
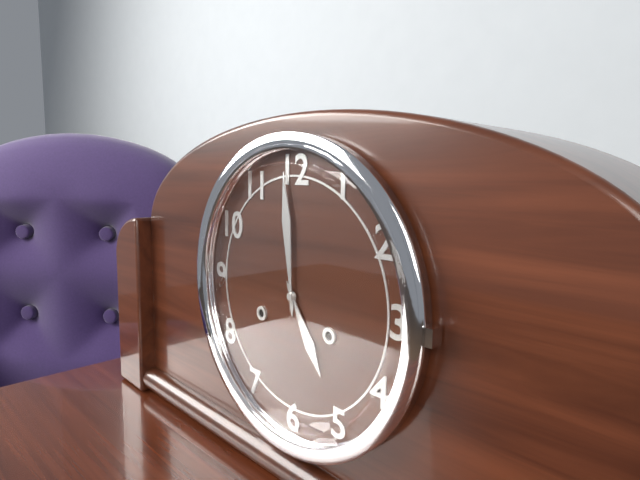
h=4 m=59
